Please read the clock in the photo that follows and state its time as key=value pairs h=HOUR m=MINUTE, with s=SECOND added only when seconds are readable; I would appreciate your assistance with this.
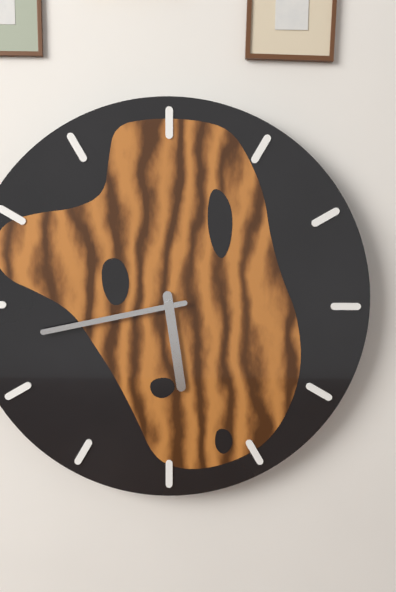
h=5 m=43
